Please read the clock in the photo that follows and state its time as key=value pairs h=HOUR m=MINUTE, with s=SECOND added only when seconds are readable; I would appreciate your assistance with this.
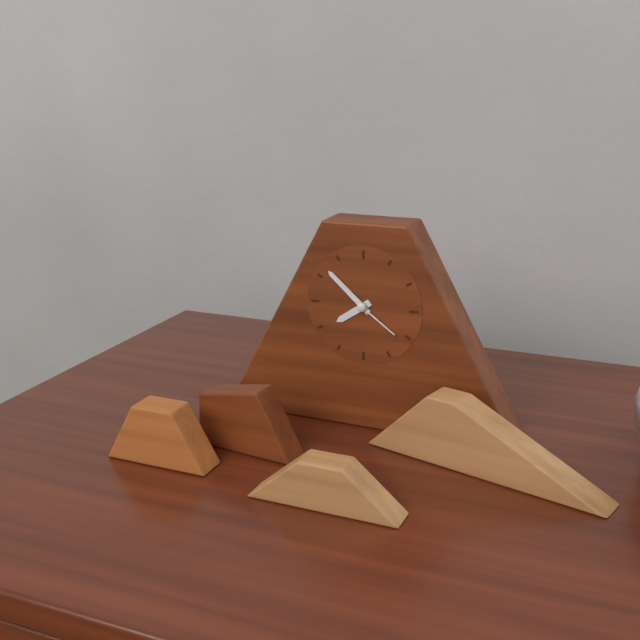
h=7 m=52 s=21
